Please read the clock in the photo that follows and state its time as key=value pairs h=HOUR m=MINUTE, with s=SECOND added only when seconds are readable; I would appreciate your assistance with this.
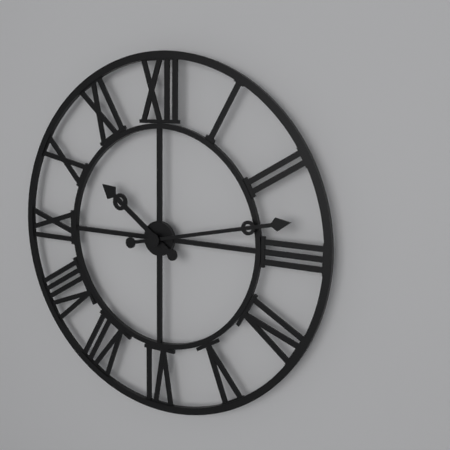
h=10 m=13
